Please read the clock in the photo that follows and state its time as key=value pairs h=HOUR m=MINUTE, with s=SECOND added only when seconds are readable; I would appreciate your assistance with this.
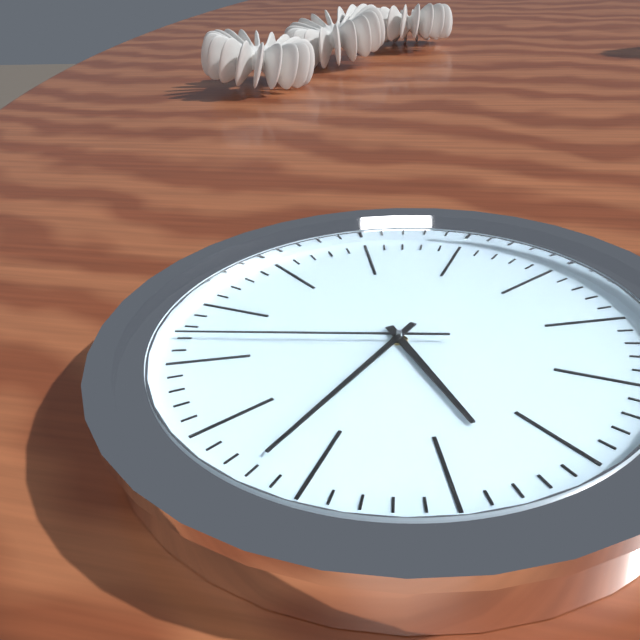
h=4 m=32 s=42
